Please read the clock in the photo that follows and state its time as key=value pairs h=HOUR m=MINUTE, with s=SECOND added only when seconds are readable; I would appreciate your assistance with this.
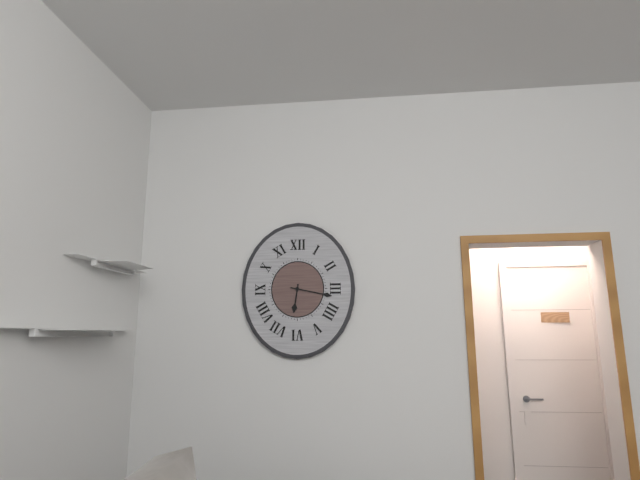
h=6 m=17
